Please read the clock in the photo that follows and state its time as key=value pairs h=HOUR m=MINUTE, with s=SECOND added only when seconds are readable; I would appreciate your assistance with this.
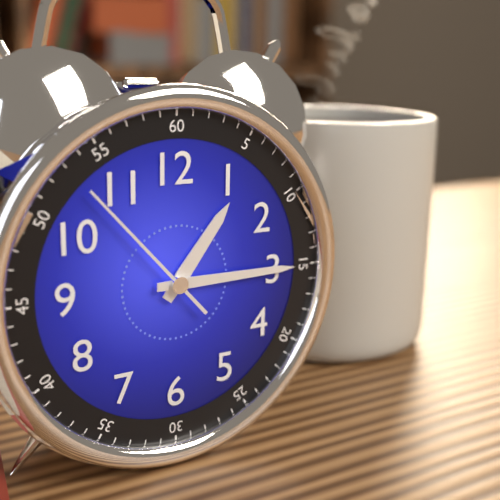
h=1 m=15 s=53
